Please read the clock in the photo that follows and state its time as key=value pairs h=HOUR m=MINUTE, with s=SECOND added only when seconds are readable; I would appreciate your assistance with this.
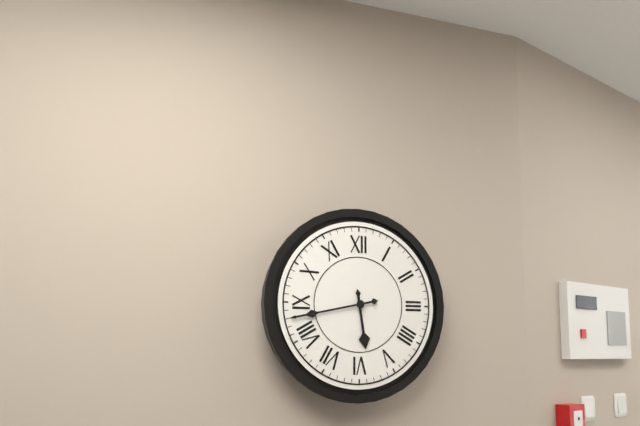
h=5 m=43
